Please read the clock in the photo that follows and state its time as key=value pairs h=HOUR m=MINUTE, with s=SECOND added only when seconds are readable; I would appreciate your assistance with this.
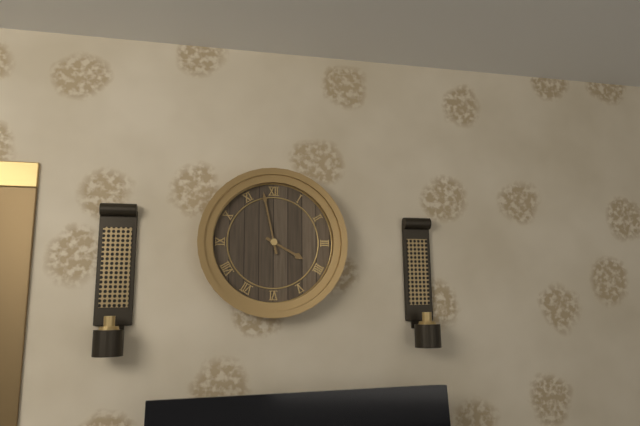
h=3 m=58
